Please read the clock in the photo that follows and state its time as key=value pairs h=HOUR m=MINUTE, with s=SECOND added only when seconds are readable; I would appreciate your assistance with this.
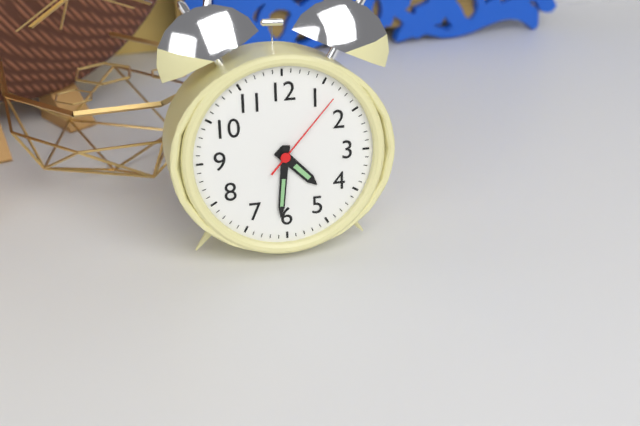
h=4 m=31 s=7
